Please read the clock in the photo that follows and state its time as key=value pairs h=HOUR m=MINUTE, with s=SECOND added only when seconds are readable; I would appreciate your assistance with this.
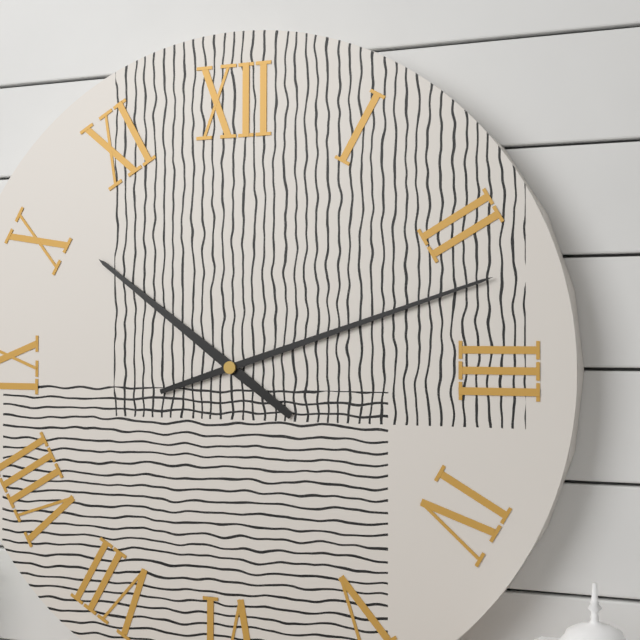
h=10 m=12
